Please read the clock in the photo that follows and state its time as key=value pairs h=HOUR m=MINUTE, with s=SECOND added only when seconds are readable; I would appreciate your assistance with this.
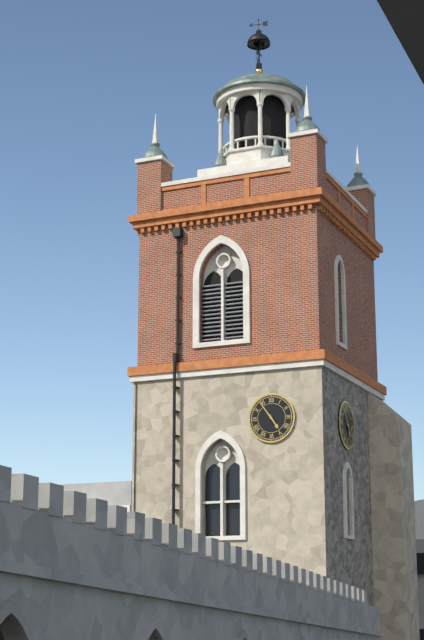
h=4 m=54
